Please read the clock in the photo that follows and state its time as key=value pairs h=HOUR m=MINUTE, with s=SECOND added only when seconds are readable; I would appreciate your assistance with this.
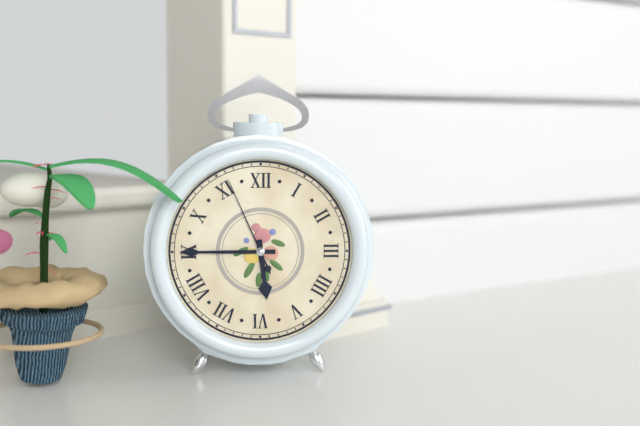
h=5 m=45 s=56
